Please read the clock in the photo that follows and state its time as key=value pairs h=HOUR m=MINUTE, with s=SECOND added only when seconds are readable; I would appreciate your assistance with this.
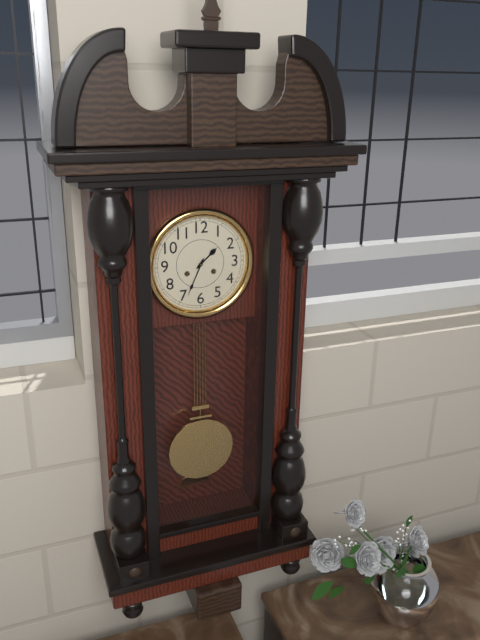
h=1 m=34
